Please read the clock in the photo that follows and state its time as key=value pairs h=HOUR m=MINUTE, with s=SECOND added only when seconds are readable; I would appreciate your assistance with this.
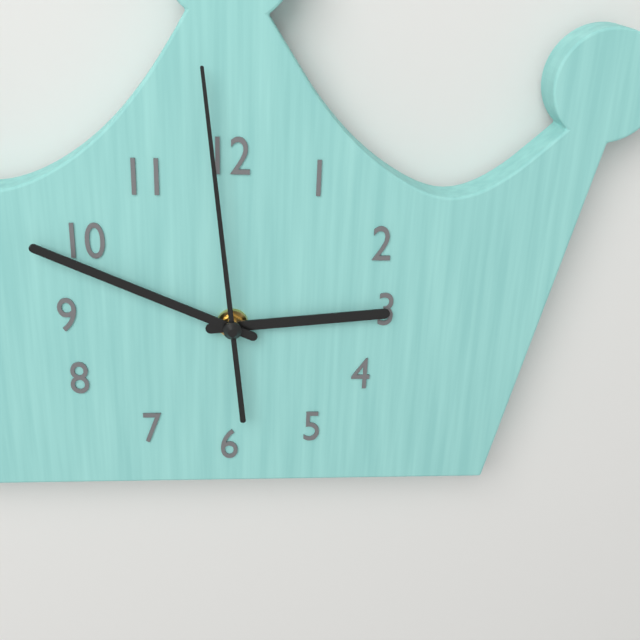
h=2 m=49 s=59
